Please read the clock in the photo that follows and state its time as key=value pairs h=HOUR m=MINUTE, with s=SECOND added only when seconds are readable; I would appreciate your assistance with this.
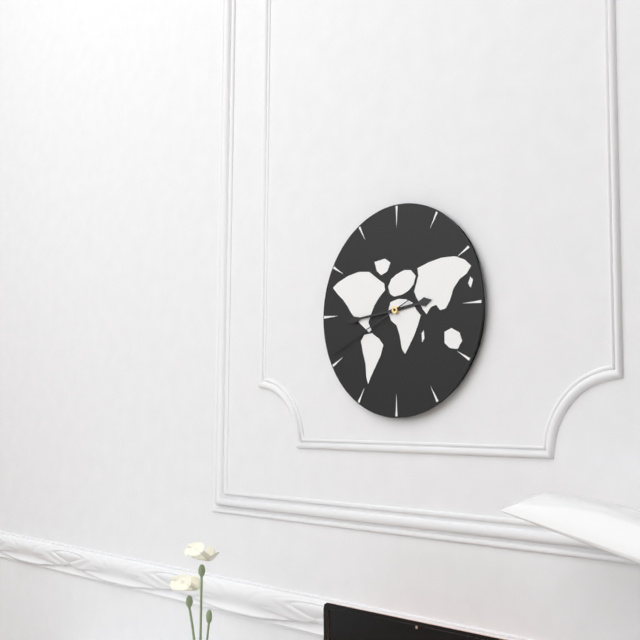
h=2 m=44 s=41
